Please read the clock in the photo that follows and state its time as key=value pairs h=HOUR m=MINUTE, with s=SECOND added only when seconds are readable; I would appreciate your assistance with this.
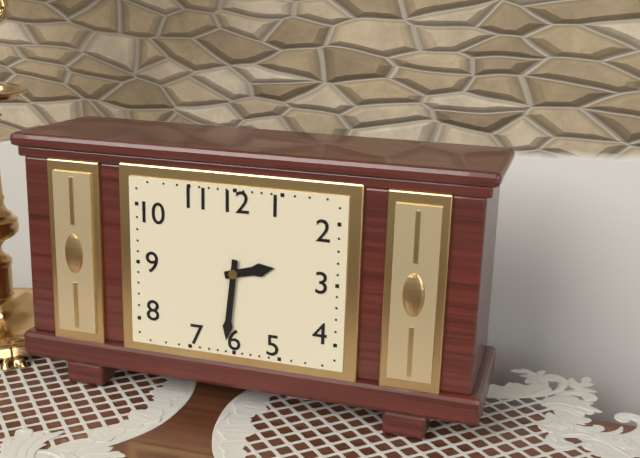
h=2 m=31
